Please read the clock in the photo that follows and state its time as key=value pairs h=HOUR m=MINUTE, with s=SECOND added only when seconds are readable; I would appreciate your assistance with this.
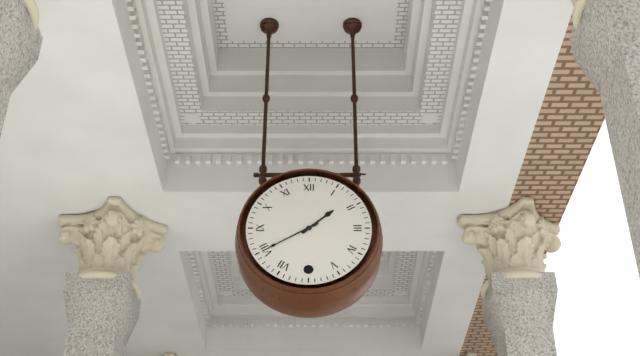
h=1 m=40
